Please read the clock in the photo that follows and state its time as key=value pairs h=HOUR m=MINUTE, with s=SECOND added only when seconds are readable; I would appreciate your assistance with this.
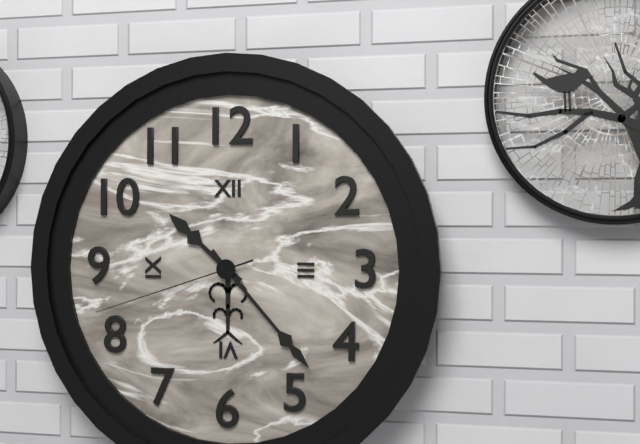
h=10 m=23 s=42
